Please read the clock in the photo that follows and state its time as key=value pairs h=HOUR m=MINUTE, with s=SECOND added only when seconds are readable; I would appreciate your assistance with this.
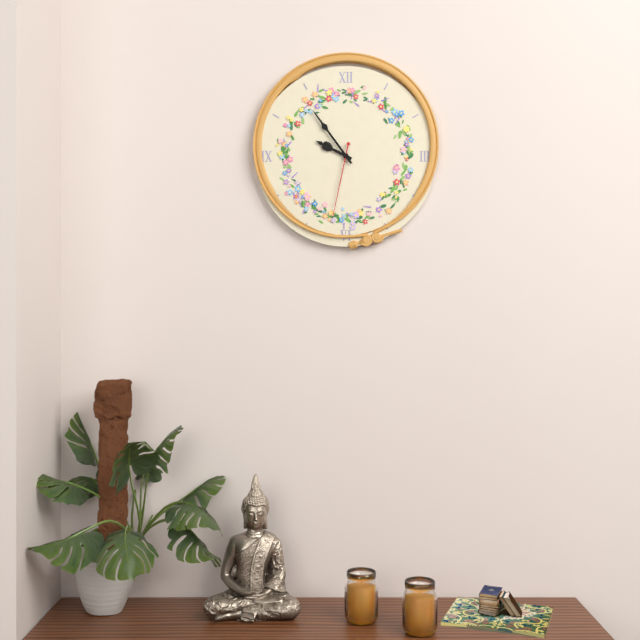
h=9 m=54 s=32
